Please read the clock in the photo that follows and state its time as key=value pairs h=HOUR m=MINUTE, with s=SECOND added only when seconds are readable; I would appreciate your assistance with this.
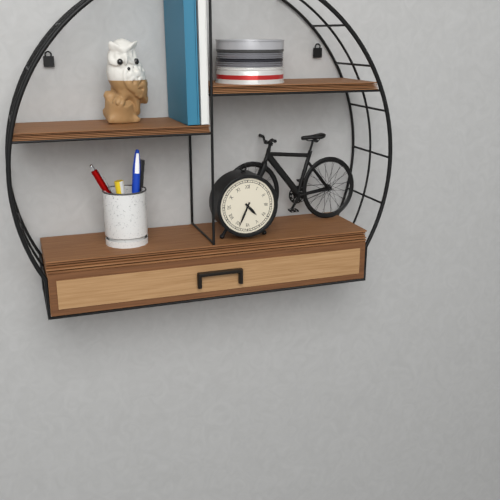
h=4 m=34
